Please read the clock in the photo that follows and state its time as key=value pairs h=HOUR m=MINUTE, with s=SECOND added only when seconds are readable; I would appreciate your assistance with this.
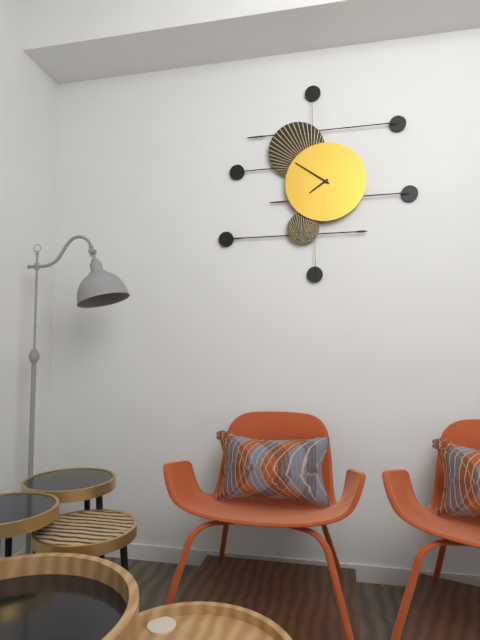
h=7 m=51
